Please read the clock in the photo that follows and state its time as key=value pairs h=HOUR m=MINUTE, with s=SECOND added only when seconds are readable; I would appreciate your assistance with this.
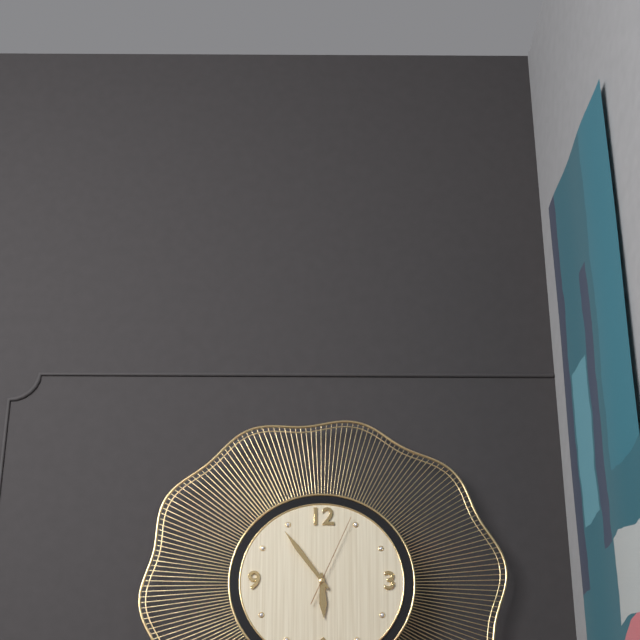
h=5 m=54 s=4
